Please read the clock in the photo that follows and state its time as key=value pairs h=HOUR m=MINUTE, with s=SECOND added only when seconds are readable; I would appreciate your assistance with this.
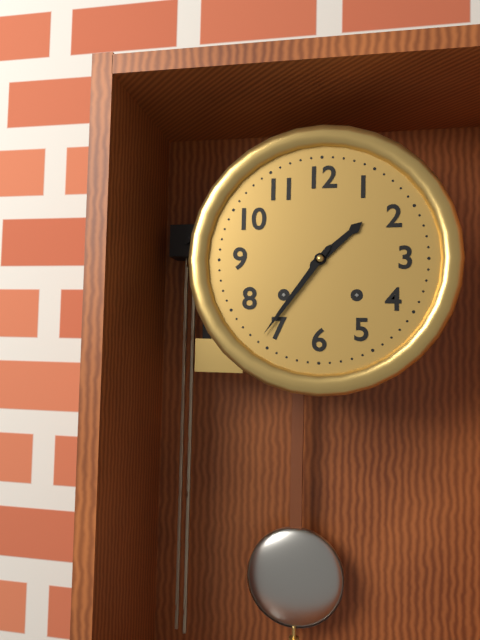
h=1 m=36
